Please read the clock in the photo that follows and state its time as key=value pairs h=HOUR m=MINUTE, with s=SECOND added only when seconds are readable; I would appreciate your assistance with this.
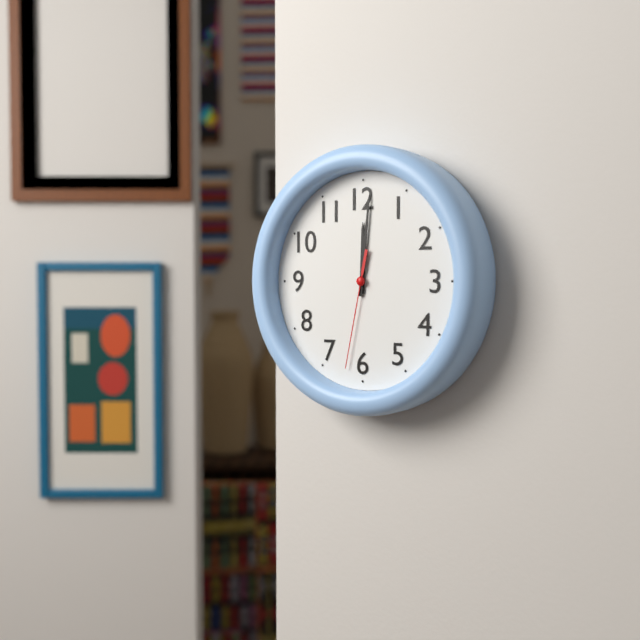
h=12 m=1 s=32
